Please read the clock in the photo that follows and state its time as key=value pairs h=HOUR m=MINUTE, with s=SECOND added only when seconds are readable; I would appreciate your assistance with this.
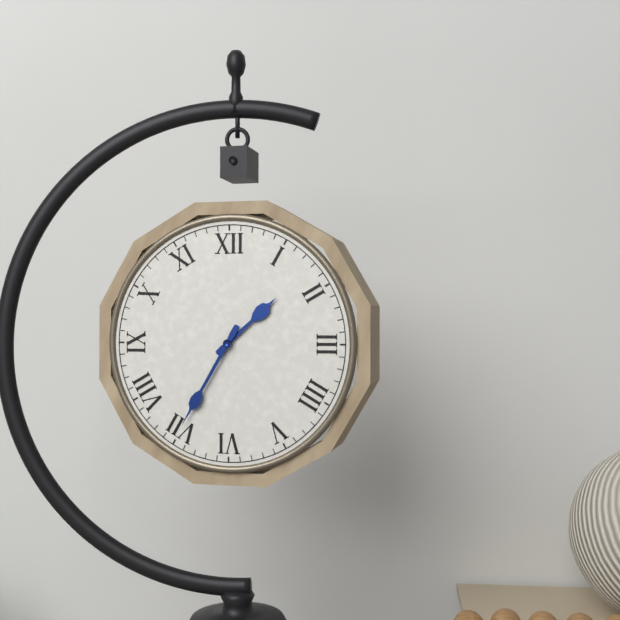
h=1 m=35
